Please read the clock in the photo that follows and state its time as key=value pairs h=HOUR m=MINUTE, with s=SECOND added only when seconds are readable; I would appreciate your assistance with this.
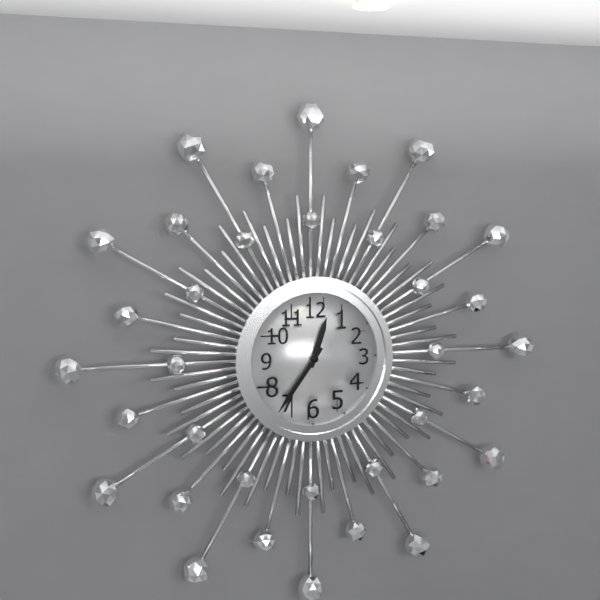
h=12 m=36
